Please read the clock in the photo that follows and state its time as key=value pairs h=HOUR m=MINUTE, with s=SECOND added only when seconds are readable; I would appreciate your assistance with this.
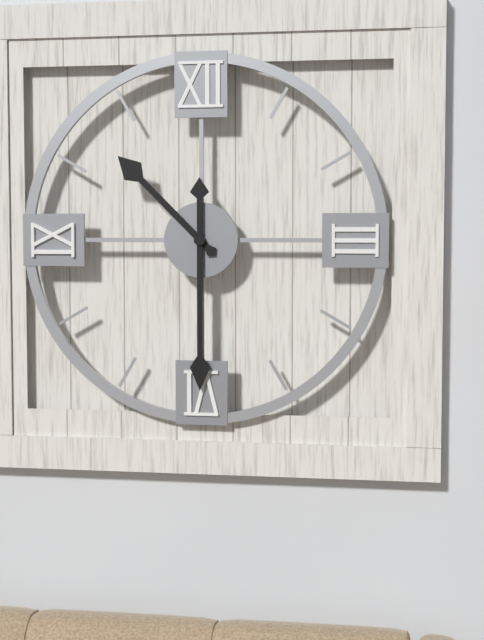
h=10 m=30
